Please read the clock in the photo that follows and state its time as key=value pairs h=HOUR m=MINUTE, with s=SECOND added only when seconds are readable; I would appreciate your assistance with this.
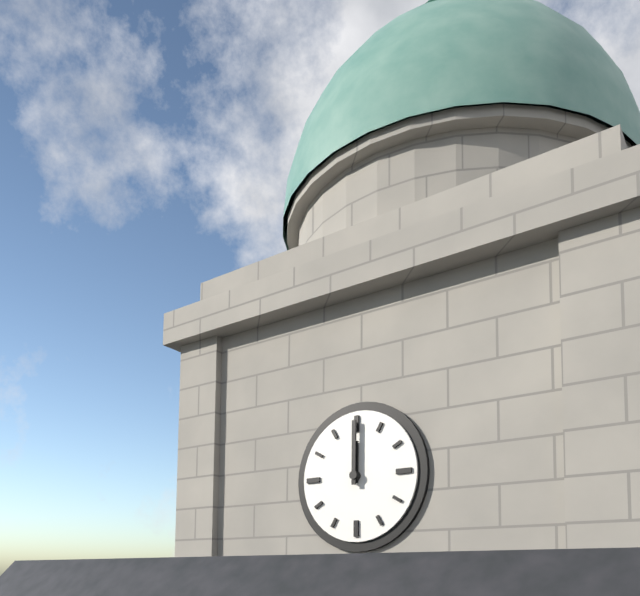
h=12 m=0
